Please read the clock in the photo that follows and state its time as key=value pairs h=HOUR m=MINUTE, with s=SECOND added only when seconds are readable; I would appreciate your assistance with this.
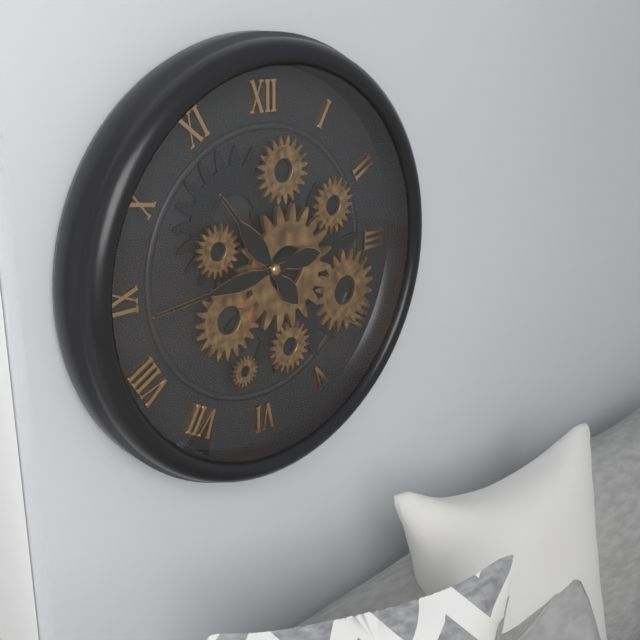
h=10 m=44
